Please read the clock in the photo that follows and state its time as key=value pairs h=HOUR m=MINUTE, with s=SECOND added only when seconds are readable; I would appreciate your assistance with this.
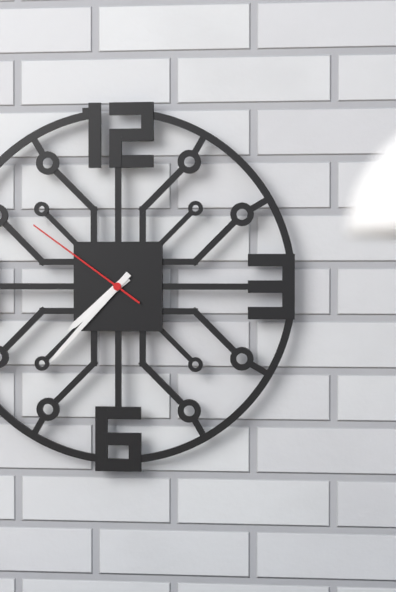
h=7 m=37 s=51
